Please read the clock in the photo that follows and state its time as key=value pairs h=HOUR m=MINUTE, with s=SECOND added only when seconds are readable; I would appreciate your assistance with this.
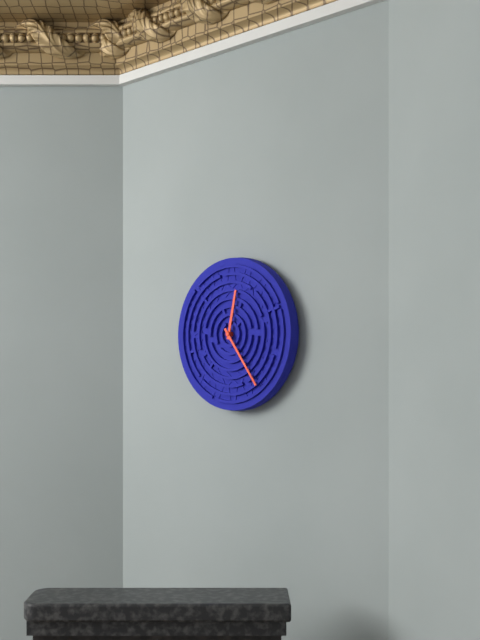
h=12 m=24
